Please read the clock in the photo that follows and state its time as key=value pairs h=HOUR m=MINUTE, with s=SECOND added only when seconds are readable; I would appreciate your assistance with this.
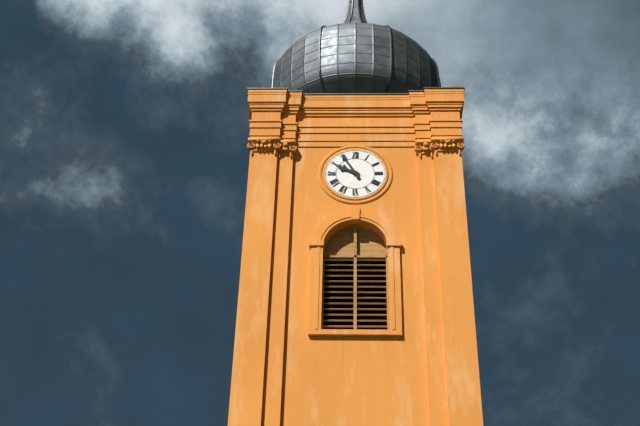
h=9 m=55
